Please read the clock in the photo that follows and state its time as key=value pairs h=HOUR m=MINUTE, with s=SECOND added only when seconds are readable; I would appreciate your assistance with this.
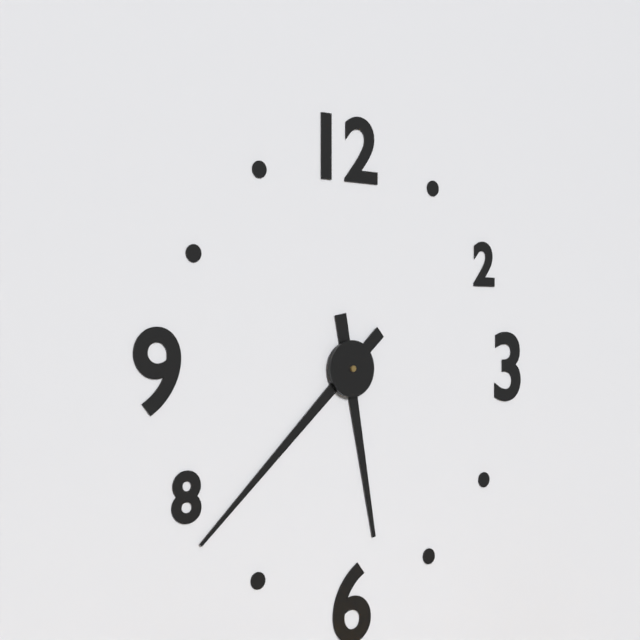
h=5 m=38
